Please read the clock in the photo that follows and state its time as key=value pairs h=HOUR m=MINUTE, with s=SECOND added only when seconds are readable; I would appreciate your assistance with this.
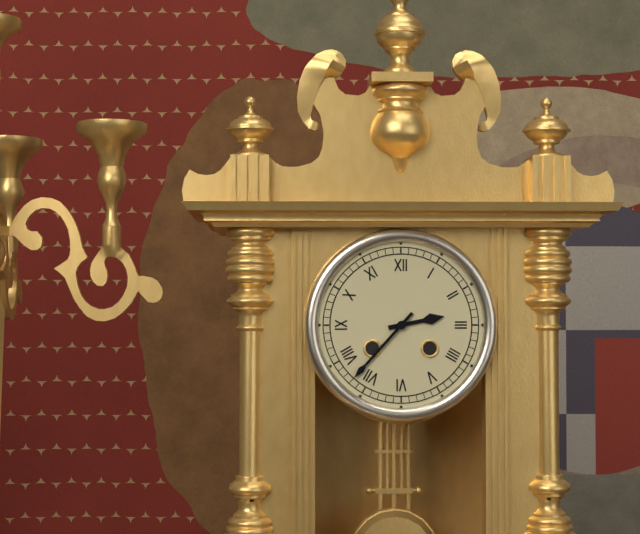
h=2 m=37
